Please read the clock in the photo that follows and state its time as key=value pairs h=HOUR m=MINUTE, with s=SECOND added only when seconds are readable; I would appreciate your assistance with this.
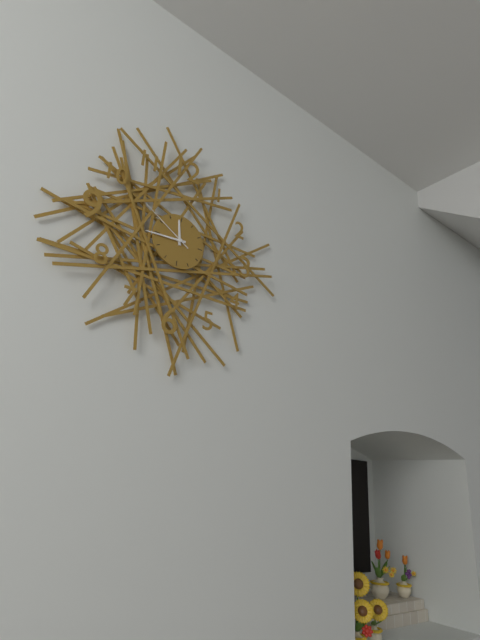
h=11 m=44 s=50
